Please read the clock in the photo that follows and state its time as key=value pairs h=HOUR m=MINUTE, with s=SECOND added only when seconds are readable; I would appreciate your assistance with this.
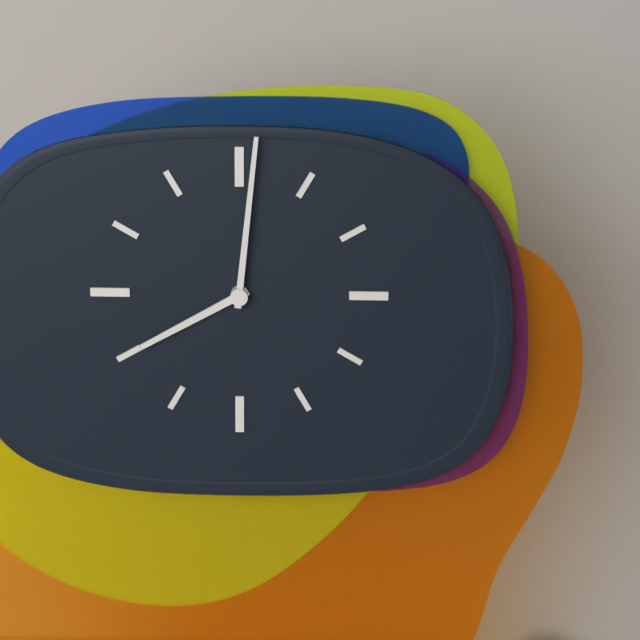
h=8 m=1
